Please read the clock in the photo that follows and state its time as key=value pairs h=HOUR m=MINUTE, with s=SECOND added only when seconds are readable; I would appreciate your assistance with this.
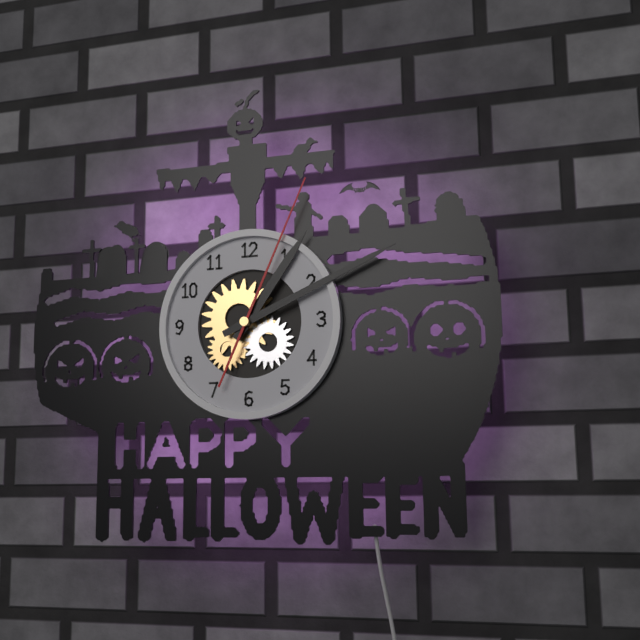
h=1 m=11 s=4
